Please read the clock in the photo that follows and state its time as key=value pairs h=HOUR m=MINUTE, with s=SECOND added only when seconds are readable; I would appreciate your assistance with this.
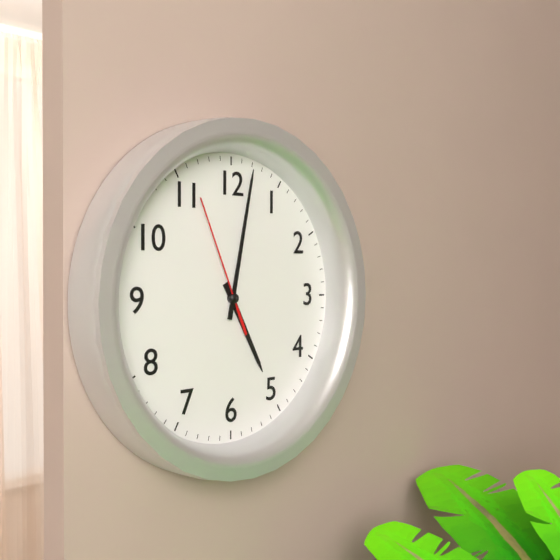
h=5 m=2 s=56
